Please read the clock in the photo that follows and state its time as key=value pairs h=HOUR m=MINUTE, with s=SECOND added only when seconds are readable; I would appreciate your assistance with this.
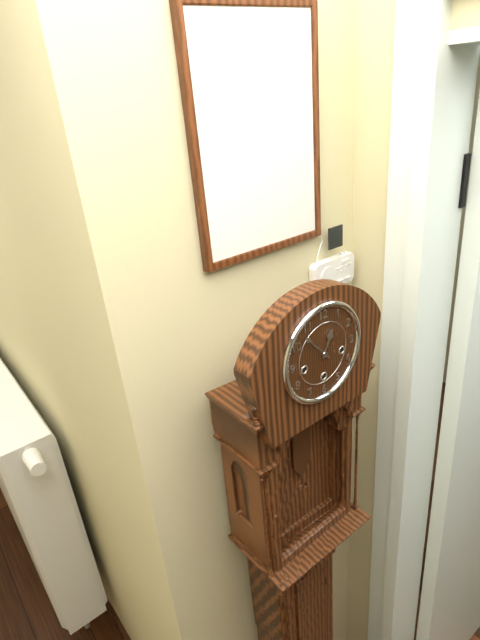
h=12 m=53
